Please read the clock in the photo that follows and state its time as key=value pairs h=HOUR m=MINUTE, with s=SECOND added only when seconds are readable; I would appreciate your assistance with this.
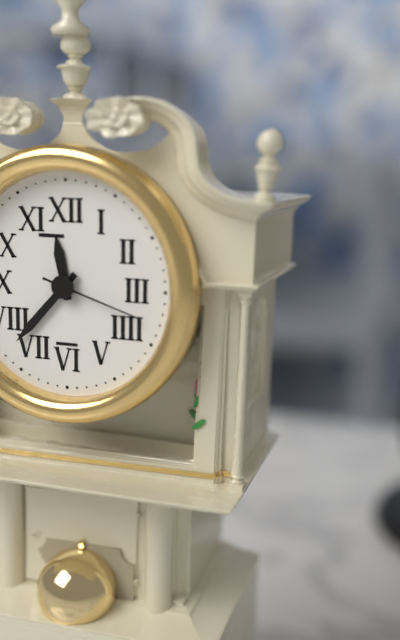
h=11 m=37 s=18
